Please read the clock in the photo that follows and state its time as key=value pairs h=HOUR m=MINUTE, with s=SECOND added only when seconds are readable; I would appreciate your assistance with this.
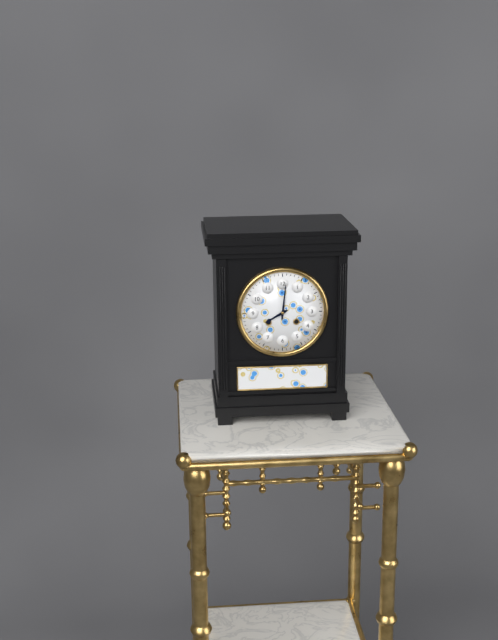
h=8 m=1
